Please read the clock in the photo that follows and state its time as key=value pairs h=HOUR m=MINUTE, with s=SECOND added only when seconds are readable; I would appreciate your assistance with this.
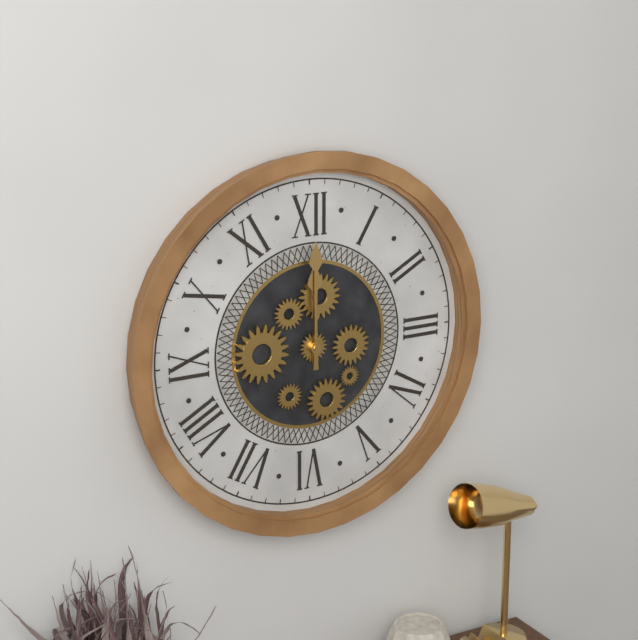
h=12 m=0
